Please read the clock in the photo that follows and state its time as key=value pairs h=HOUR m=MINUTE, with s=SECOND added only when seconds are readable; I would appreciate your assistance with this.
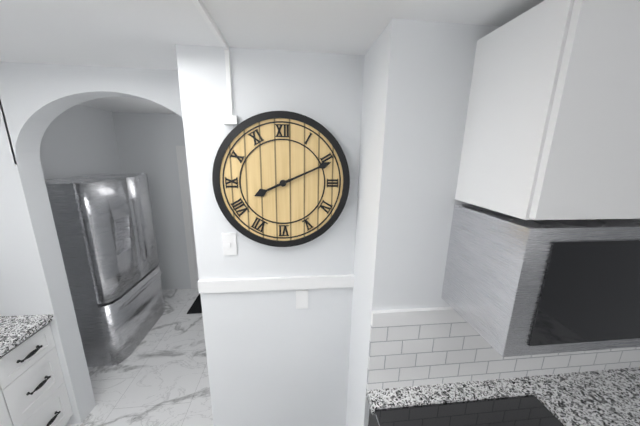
h=8 m=11
